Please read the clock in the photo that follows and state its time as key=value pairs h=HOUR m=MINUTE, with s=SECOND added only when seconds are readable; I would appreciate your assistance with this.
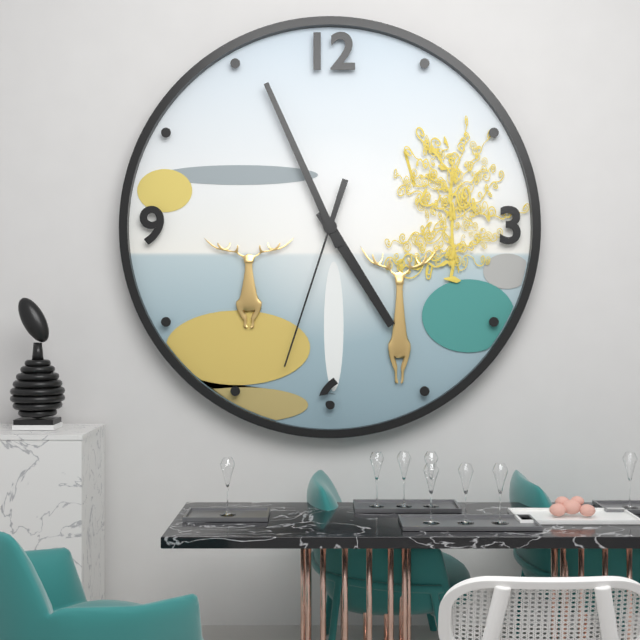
h=4 m=56 s=33
